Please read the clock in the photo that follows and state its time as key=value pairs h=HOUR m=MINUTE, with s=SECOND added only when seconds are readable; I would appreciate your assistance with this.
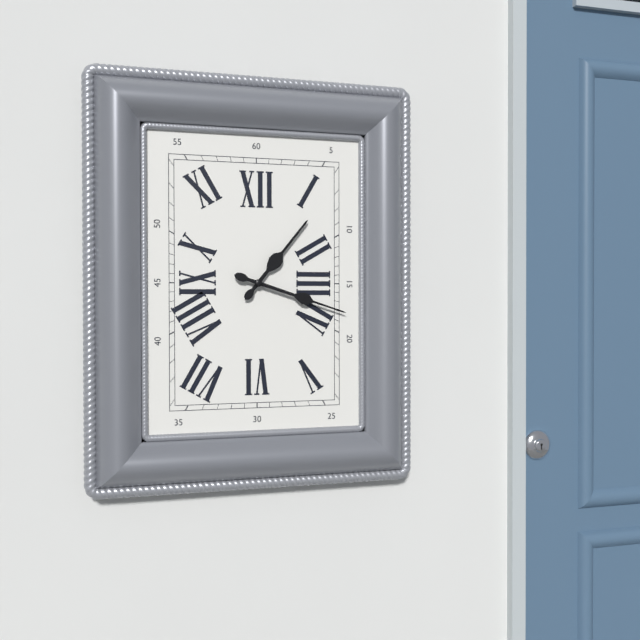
h=1 m=18
